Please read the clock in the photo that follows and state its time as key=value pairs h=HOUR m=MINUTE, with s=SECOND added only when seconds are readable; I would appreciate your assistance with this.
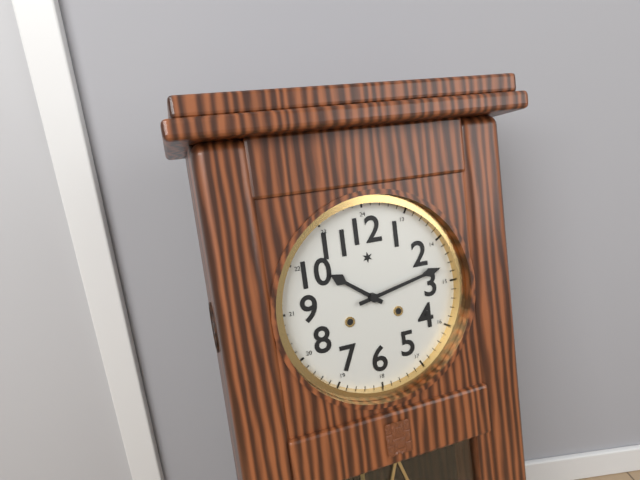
h=10 m=13
